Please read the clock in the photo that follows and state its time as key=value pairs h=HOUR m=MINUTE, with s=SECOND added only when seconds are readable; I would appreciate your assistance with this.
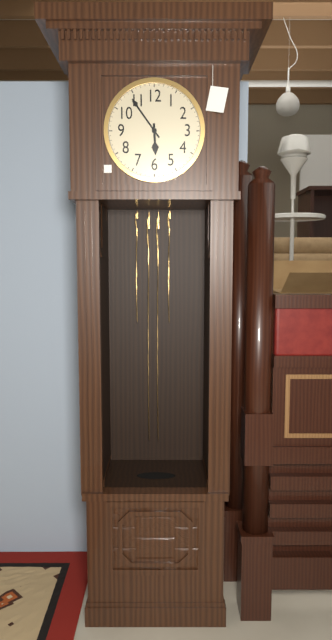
h=5 m=54
